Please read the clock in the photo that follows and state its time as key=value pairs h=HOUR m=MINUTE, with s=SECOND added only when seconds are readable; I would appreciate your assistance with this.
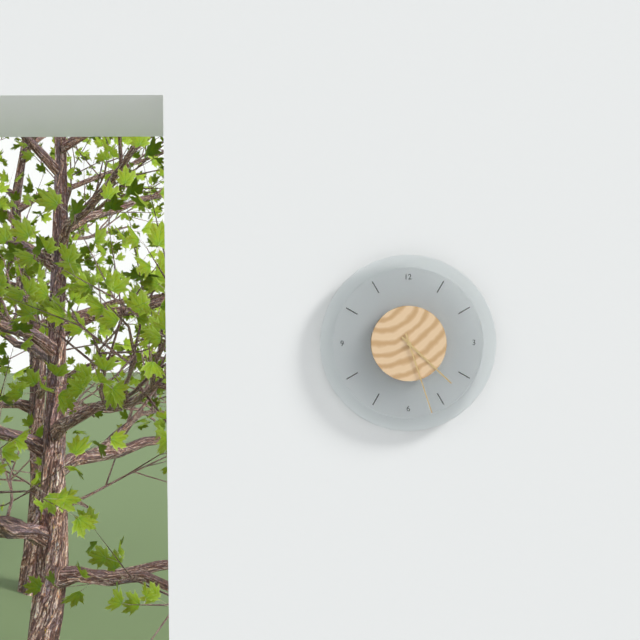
h=4 m=27
